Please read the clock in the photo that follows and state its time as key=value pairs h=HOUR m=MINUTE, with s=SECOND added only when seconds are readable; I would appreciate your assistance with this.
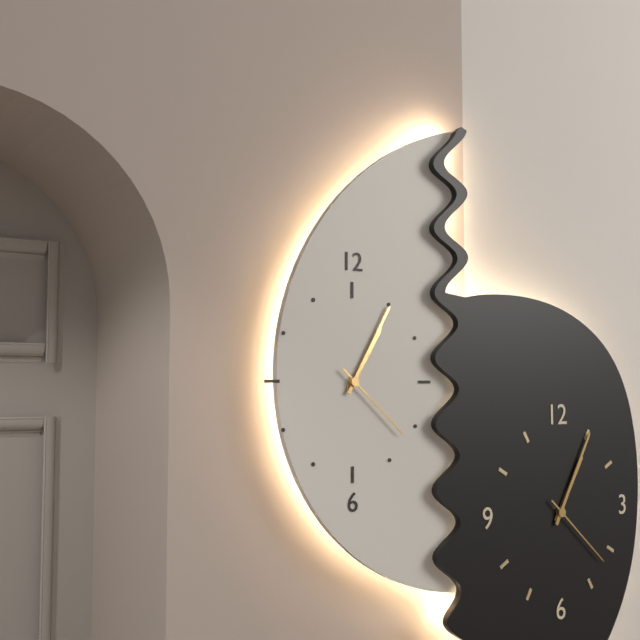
h=1 m=5 s=22
